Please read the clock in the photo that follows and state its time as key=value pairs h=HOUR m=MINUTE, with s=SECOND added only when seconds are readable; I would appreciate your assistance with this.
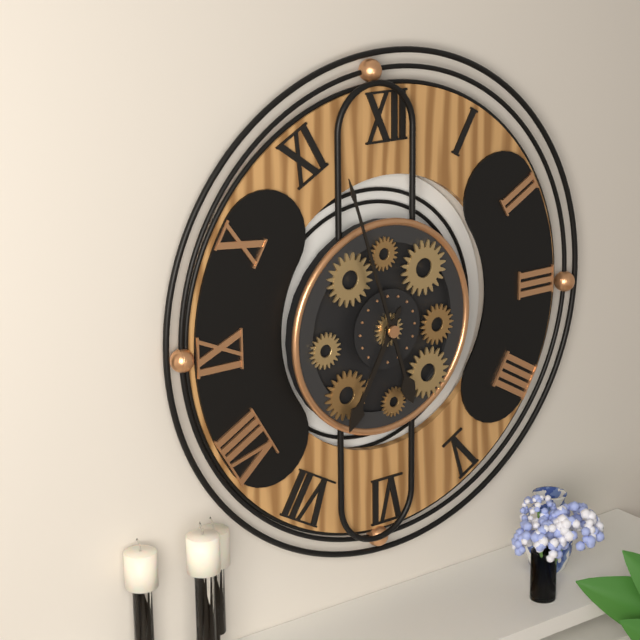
h=6 m=57
